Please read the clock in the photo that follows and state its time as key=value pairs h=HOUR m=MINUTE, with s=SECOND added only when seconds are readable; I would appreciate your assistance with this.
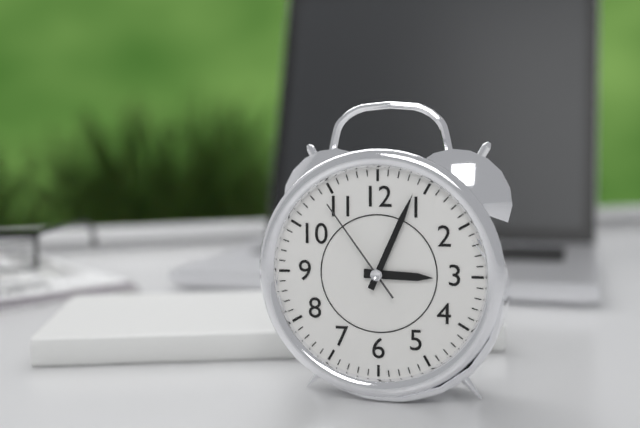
h=3 m=4 s=54
